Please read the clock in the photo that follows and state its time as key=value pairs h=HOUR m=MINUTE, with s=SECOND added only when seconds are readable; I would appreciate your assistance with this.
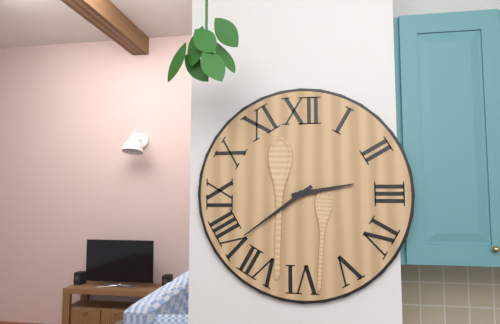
h=2 m=39
